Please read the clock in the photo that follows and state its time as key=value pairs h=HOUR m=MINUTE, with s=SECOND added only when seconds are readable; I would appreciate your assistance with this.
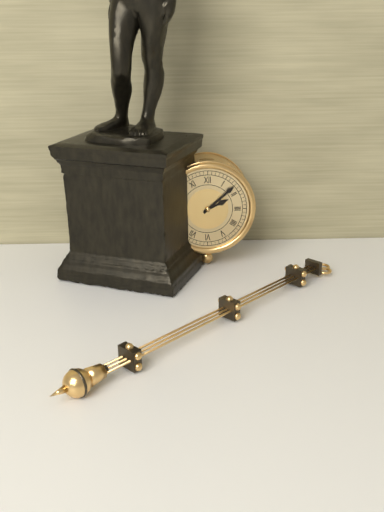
h=2 m=8
